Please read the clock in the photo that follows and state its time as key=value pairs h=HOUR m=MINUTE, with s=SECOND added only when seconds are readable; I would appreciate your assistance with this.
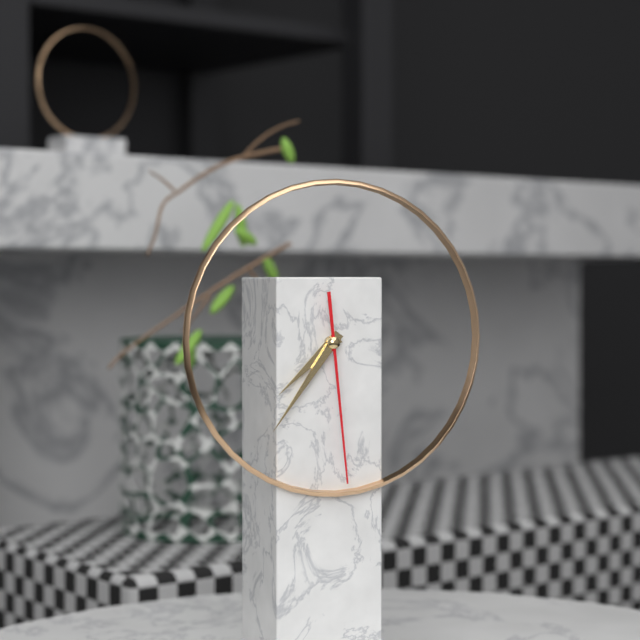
h=7 m=36 s=29
